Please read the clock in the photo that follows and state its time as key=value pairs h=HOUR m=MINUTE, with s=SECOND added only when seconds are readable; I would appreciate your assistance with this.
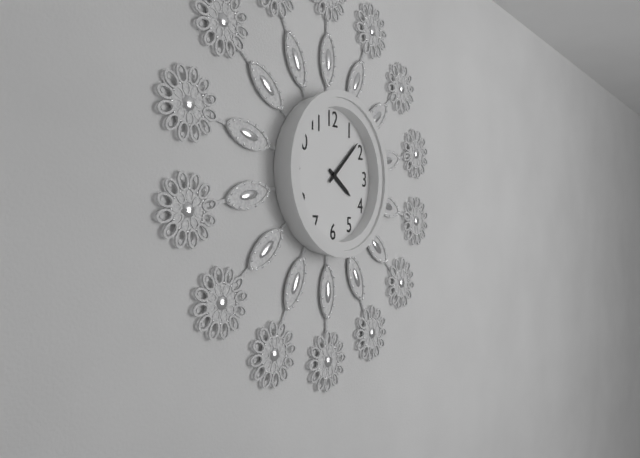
h=4 m=8
